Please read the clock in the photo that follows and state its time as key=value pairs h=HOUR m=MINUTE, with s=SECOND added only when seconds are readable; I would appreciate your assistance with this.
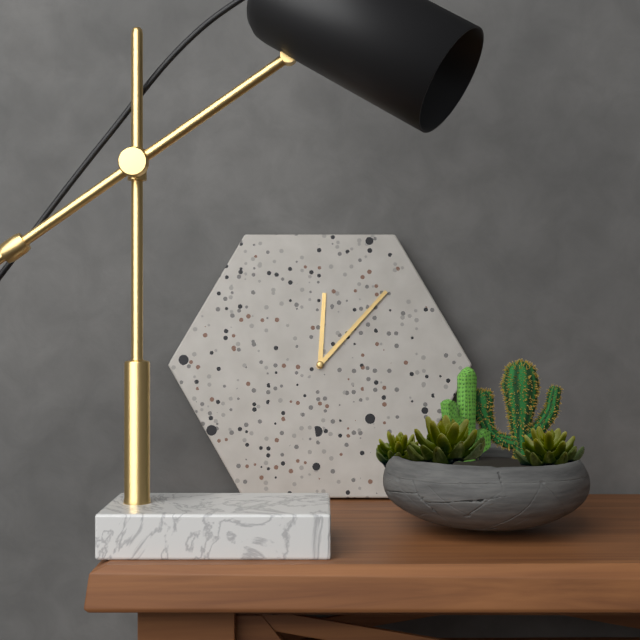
h=12 m=7
